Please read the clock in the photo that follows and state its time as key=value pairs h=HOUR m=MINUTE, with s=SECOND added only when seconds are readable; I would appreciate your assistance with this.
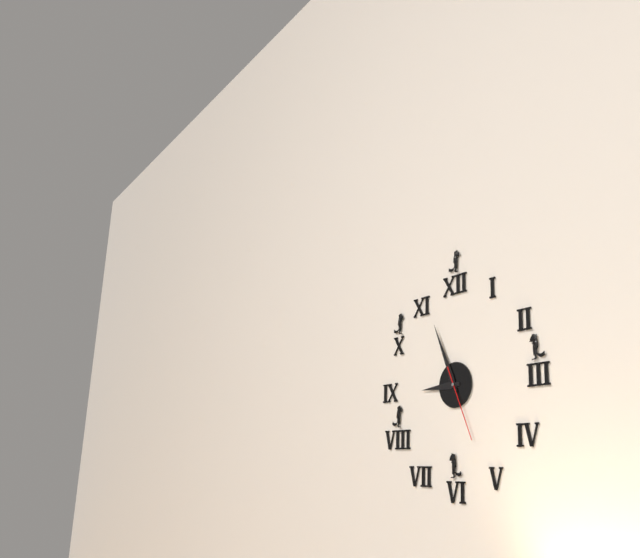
h=8 m=56 s=26
